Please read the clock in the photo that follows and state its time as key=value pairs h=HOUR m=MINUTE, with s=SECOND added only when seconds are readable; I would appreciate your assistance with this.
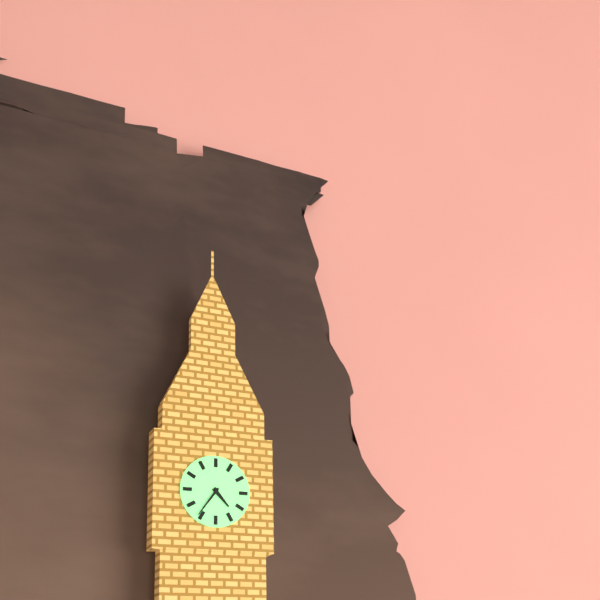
h=4 m=36
